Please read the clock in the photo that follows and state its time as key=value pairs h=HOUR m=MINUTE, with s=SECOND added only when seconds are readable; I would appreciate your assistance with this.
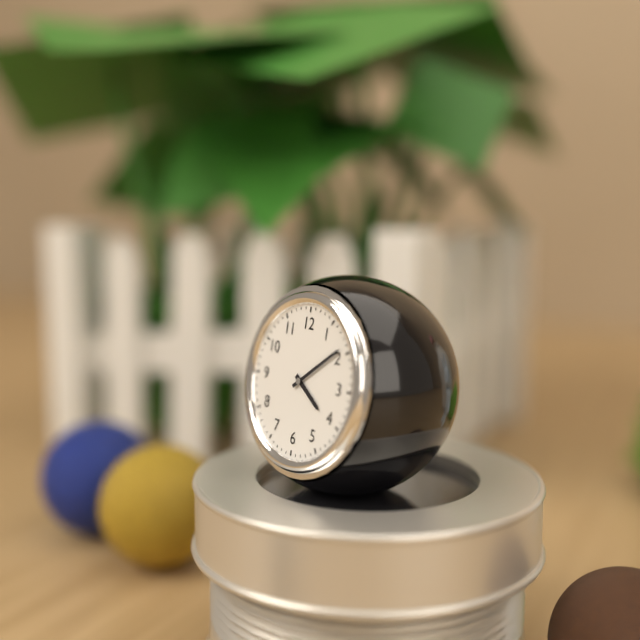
h=4 m=9
